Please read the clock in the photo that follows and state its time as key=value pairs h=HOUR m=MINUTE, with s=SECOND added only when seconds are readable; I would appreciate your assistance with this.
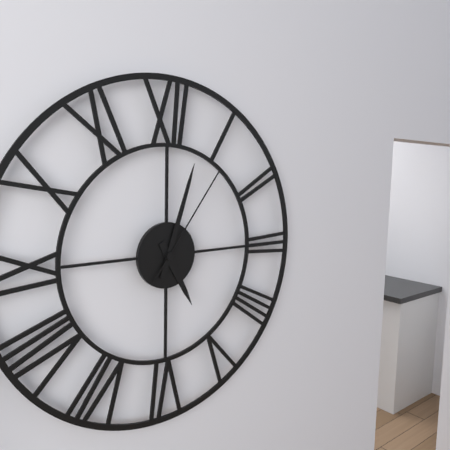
h=5 m=3 s=6
